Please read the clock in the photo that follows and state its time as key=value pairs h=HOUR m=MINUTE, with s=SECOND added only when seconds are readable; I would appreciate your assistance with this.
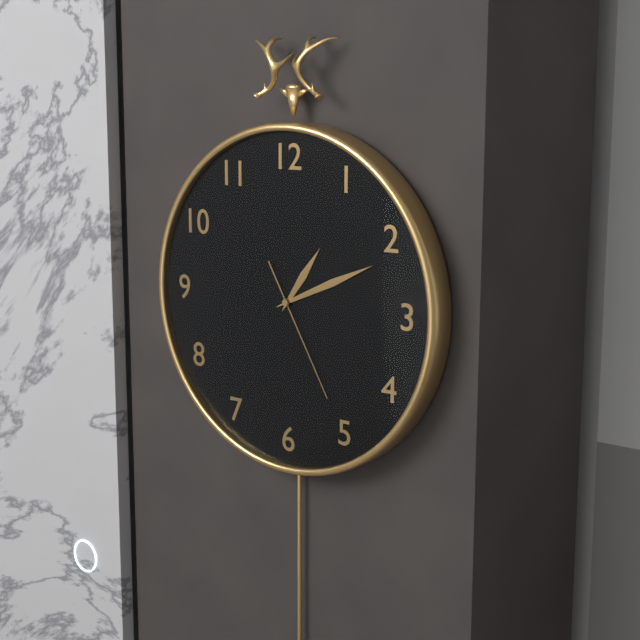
h=1 m=11 s=25
